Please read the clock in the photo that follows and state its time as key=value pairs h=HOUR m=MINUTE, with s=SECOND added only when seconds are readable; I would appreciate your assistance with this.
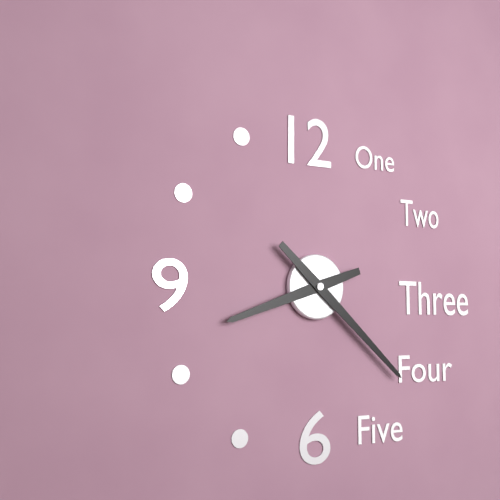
h=8 m=22
